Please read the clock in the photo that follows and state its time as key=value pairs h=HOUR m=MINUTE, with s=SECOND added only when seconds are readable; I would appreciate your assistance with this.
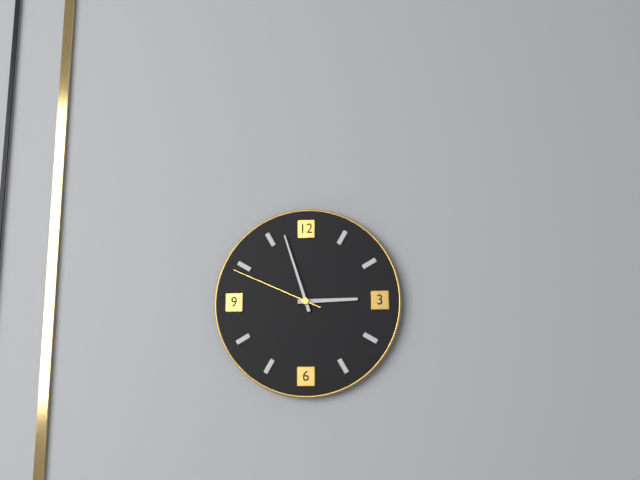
h=2 m=57 s=49
